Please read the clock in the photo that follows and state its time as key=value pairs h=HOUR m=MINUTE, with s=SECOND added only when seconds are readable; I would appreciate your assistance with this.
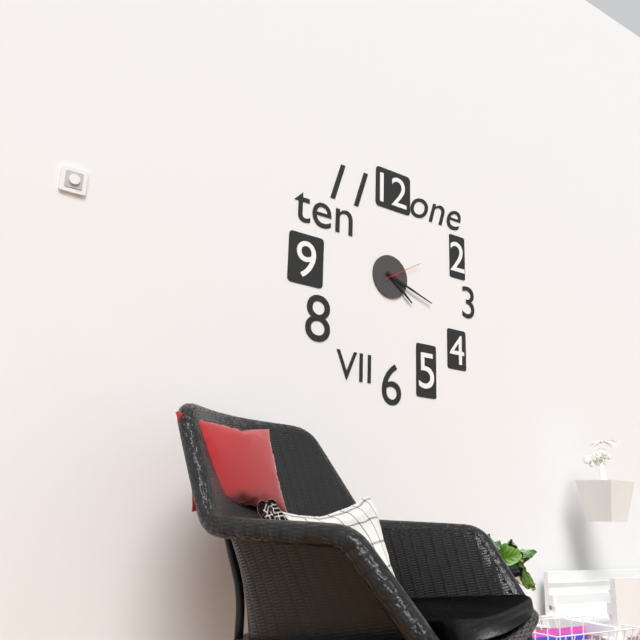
h=4 m=18
